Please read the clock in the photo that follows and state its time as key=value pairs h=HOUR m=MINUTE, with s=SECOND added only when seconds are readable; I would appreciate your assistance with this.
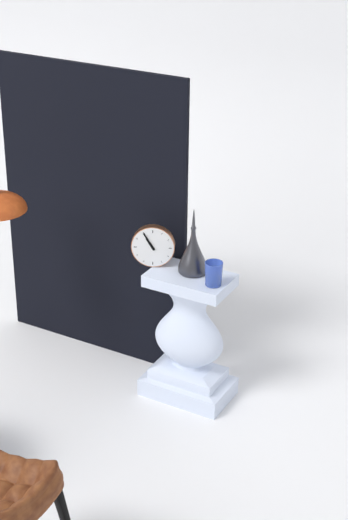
h=10 m=55
